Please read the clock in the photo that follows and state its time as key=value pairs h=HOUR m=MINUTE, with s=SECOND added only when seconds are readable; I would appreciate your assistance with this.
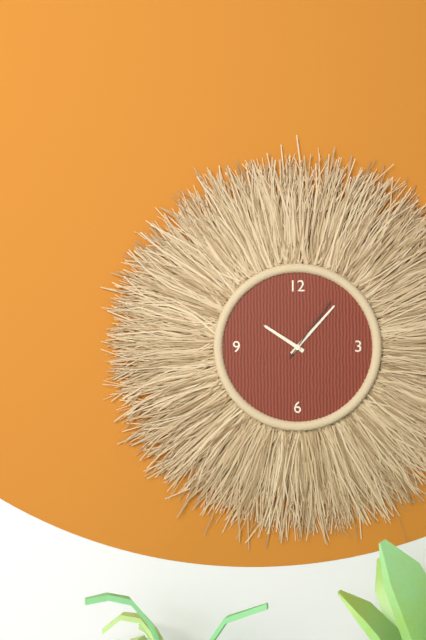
h=10 m=7 s=6
